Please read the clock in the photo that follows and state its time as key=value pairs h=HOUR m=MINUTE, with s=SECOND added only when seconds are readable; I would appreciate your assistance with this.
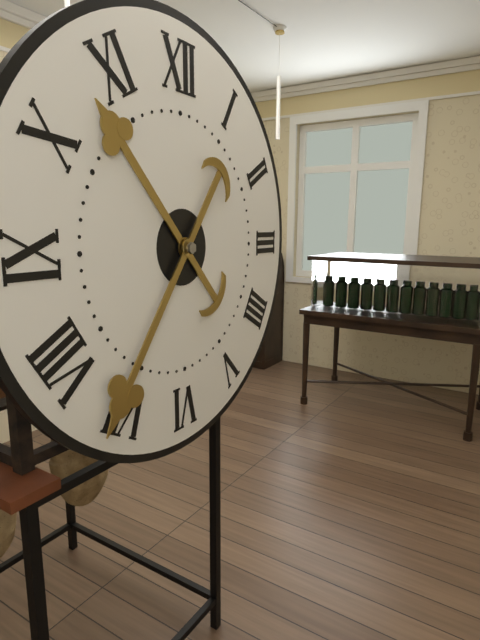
h=10 m=36
